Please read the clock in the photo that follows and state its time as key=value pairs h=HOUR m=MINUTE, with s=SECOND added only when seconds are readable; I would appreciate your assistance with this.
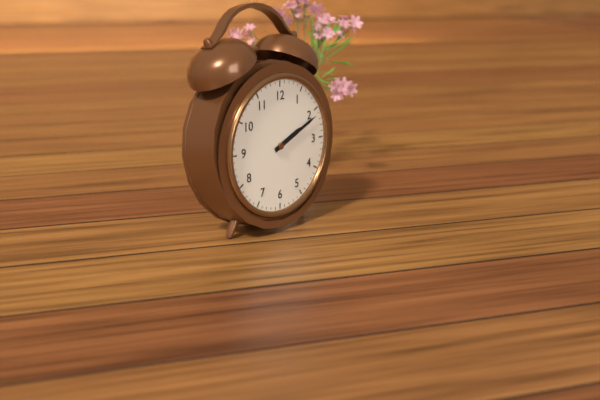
h=2 m=11
